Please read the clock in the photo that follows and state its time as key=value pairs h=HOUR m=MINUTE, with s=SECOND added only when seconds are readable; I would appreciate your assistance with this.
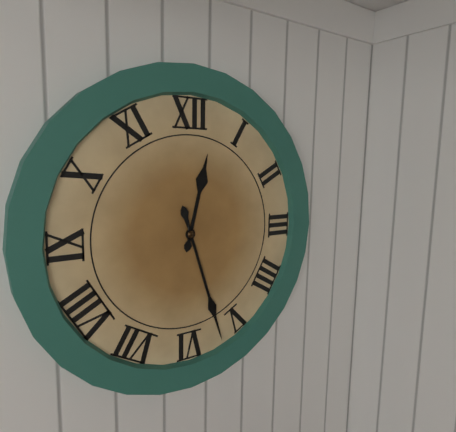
h=12 m=27
